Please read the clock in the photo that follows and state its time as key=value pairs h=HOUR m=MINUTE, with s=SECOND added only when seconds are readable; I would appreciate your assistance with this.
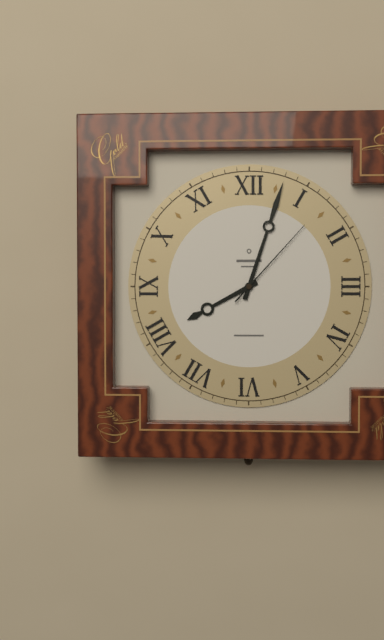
h=8 m=3 s=7
